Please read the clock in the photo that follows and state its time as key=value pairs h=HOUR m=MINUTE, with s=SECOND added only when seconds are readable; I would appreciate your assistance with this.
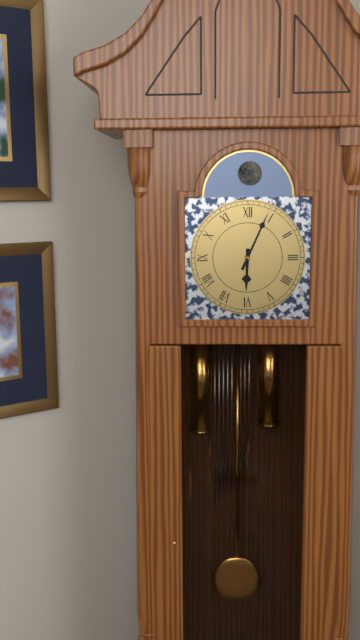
h=6 m=4
